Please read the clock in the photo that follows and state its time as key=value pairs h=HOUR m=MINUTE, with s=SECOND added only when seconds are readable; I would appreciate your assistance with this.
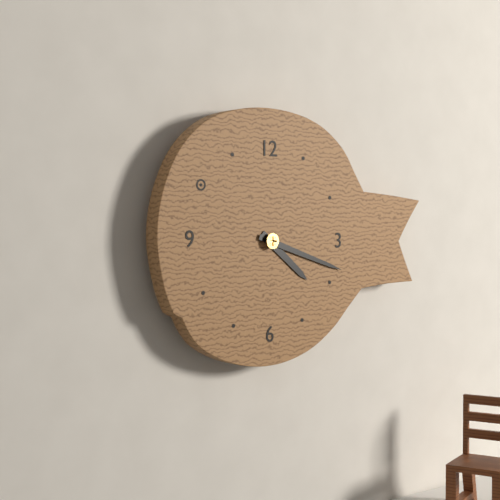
h=4 m=18
